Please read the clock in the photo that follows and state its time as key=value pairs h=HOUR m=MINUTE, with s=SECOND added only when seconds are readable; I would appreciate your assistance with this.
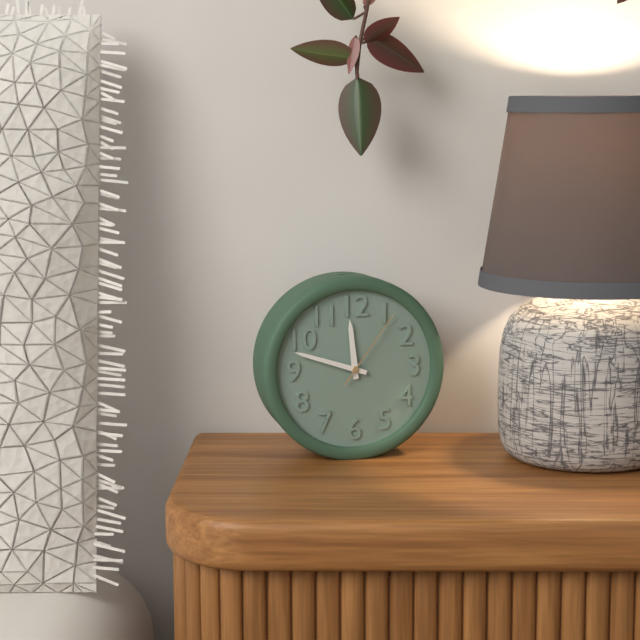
h=11 m=48 s=6
